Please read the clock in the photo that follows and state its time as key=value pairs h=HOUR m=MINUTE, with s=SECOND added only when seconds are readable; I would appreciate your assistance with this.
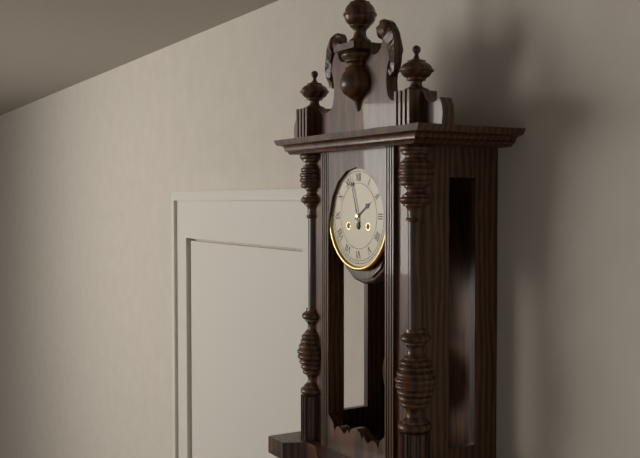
h=1 m=57
